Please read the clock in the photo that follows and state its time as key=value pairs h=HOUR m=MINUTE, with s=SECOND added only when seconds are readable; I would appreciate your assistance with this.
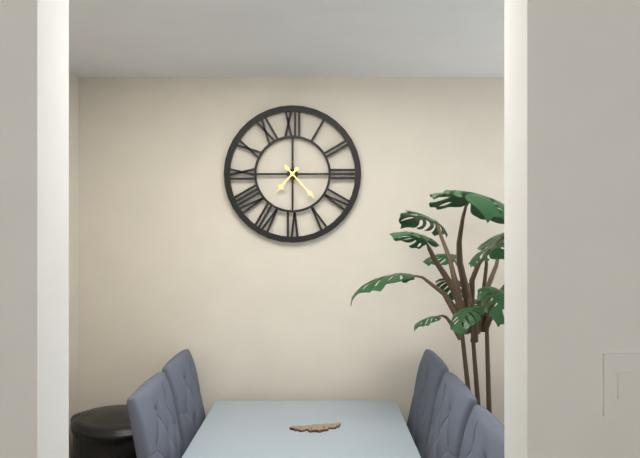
h=7 m=23
